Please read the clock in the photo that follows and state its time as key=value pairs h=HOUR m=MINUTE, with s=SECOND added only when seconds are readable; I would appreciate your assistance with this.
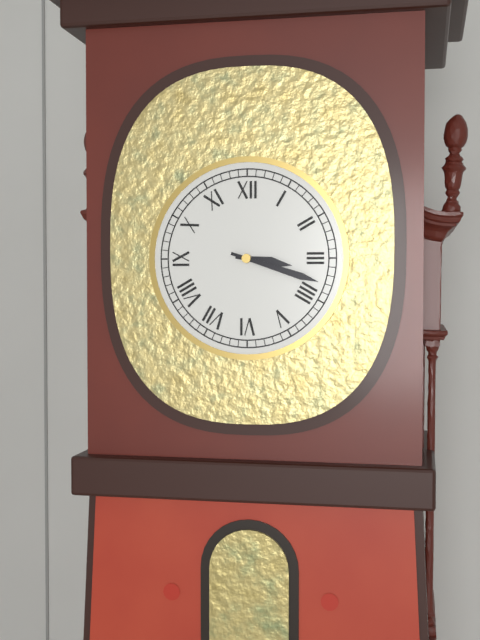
h=3 m=18
